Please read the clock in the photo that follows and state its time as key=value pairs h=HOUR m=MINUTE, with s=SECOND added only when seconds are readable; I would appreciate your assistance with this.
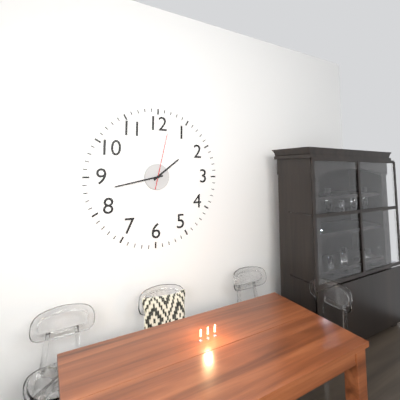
h=1 m=43 s=2
